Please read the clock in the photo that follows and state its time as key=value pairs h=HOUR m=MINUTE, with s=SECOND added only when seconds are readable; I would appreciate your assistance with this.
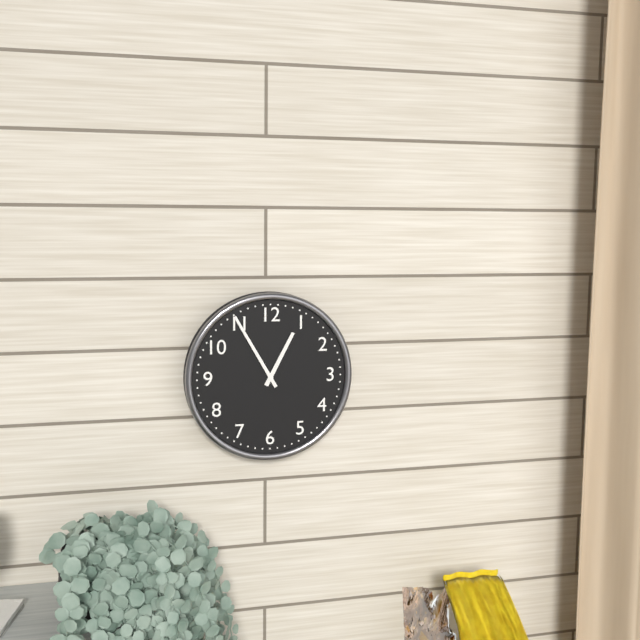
h=12 m=55
